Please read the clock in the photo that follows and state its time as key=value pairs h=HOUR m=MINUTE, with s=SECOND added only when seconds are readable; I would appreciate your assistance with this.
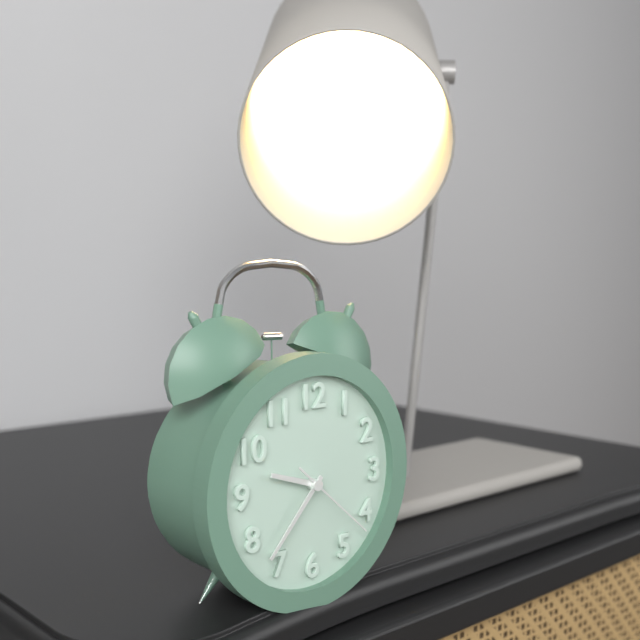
h=9 m=37 s=22
